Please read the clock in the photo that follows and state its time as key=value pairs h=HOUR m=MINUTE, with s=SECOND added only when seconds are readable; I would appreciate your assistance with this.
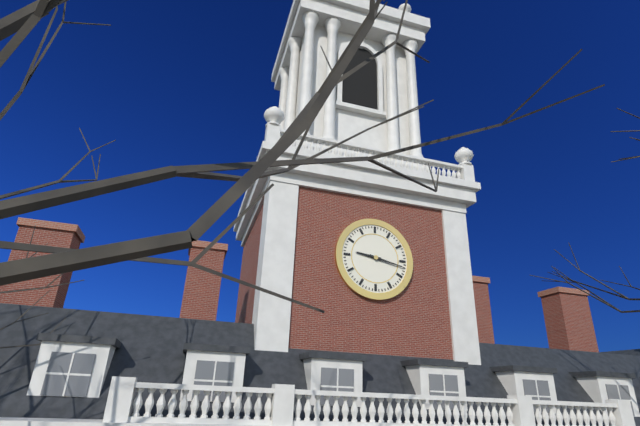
h=9 m=17
